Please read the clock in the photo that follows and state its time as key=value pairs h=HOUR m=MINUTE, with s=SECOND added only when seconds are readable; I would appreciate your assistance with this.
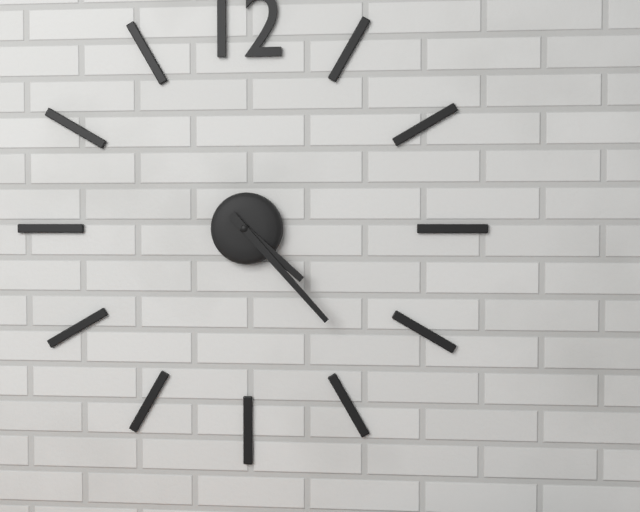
h=4 m=23
